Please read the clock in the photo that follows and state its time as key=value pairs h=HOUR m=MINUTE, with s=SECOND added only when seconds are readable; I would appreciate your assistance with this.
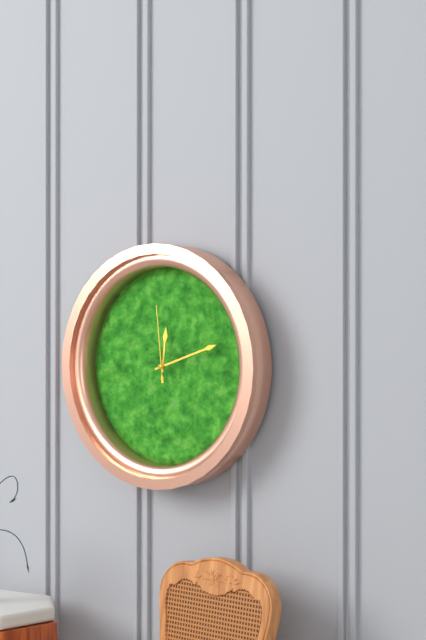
h=12 m=12 s=59
